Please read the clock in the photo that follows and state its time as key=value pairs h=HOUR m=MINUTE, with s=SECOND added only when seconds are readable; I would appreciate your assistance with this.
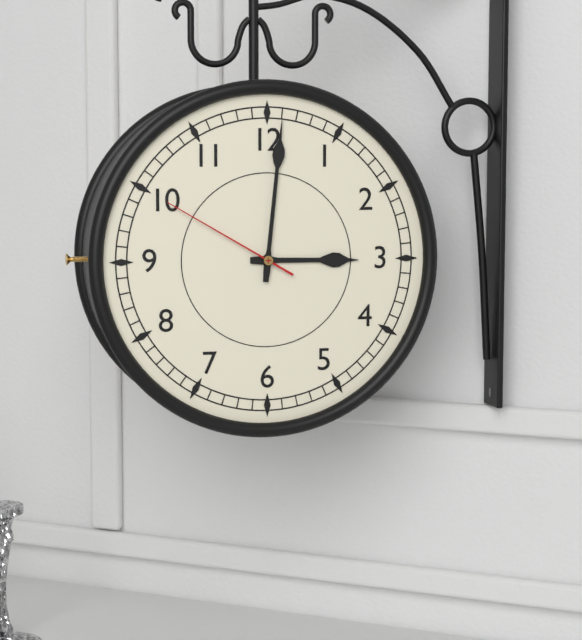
h=3 m=1 s=50
